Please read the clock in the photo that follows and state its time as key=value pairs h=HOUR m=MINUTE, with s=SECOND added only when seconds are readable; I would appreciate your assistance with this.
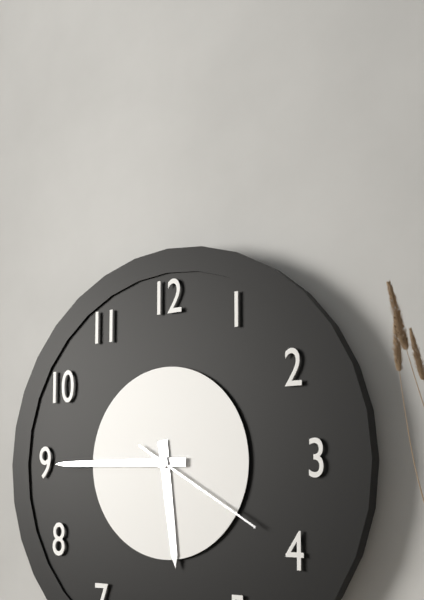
h=5 m=45 s=20
